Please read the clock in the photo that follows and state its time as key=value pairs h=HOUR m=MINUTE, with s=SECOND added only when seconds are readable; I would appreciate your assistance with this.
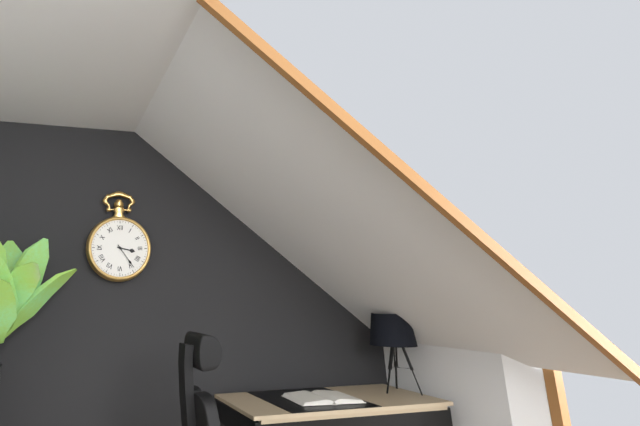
h=3 m=24
